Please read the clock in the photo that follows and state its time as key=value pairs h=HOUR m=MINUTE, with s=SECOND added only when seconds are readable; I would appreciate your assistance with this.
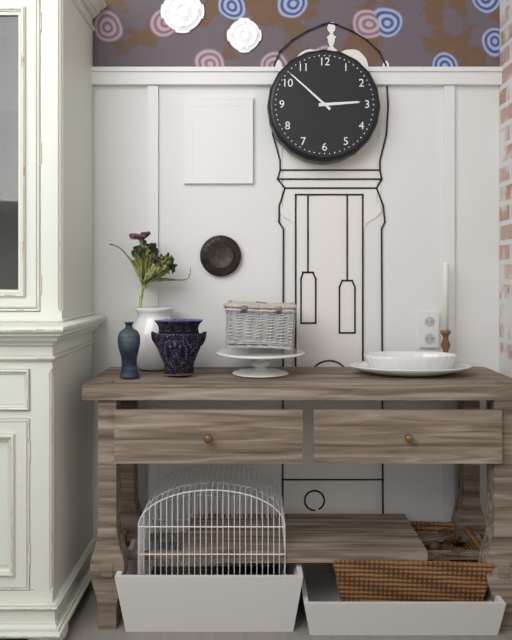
h=2 m=52
